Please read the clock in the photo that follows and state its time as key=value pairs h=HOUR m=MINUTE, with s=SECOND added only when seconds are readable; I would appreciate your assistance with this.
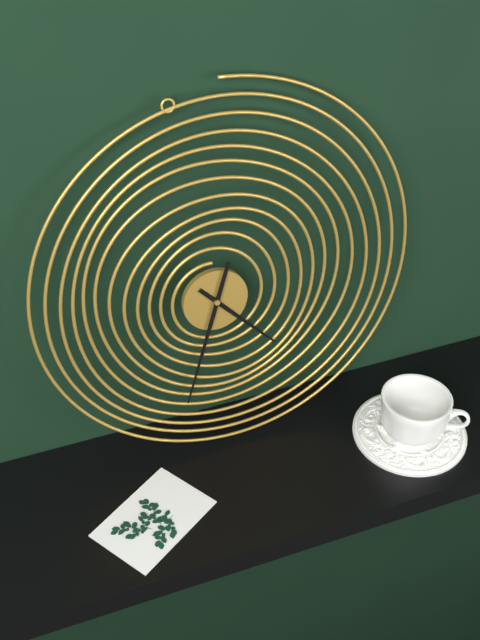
h=4 m=33
